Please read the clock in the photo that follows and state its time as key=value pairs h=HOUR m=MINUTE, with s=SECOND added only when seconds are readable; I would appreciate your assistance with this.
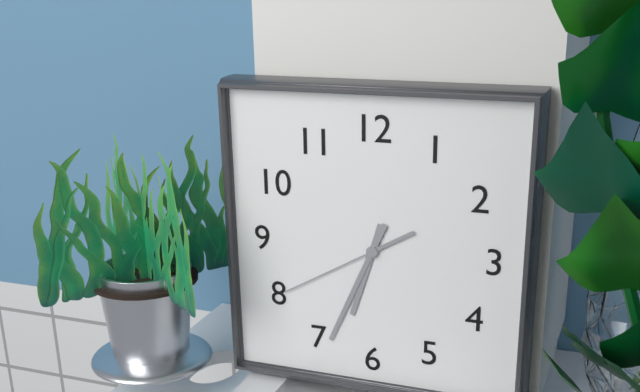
h=6 m=34 s=40
